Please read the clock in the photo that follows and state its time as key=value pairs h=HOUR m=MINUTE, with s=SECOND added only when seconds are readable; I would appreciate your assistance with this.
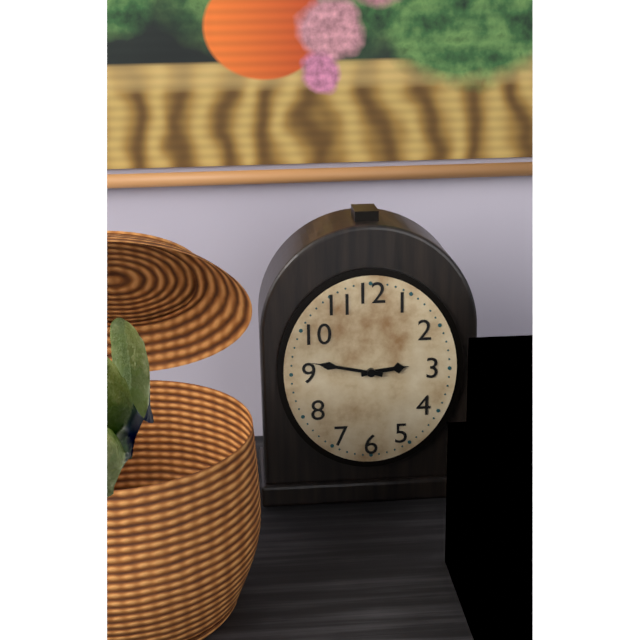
h=2 m=47
